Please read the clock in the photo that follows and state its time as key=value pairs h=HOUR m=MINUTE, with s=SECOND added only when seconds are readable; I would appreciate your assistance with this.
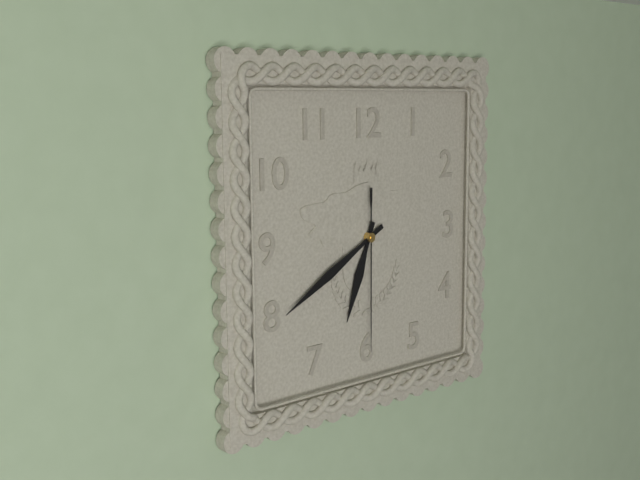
h=6 m=40 s=30
